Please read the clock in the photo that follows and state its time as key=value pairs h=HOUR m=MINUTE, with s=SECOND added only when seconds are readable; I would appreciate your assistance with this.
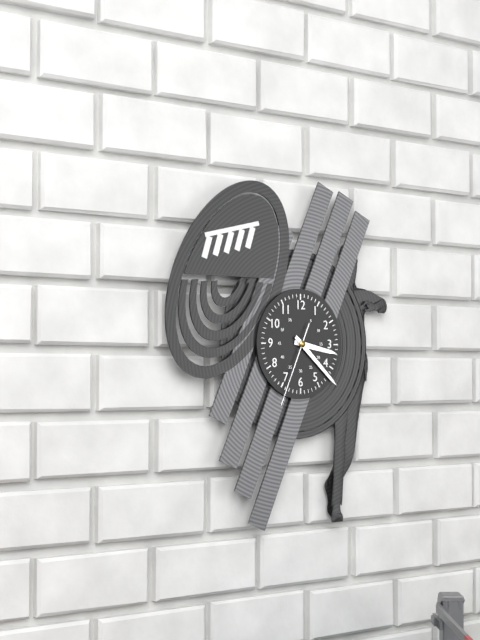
h=3 m=22 s=34
